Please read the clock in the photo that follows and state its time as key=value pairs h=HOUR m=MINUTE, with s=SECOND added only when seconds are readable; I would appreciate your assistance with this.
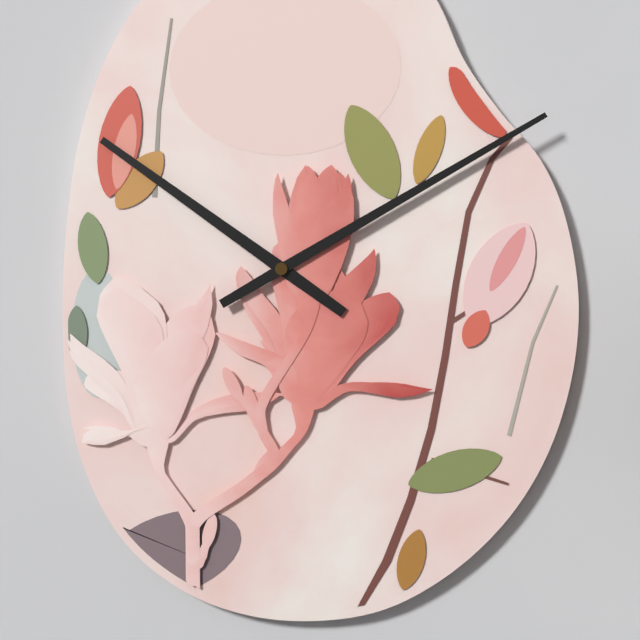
h=10 m=10
